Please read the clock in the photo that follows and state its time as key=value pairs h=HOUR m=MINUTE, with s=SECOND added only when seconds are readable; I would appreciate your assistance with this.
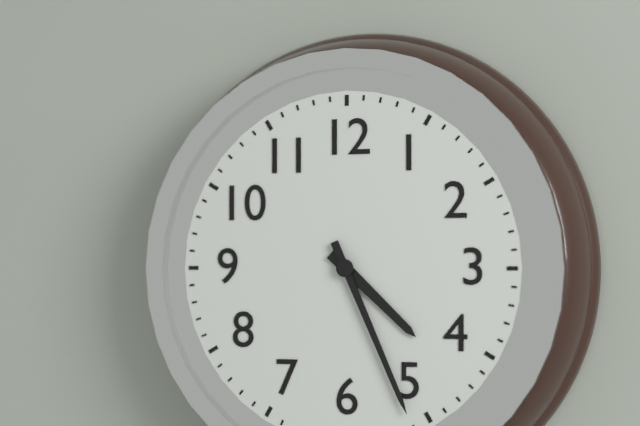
h=4 m=26
